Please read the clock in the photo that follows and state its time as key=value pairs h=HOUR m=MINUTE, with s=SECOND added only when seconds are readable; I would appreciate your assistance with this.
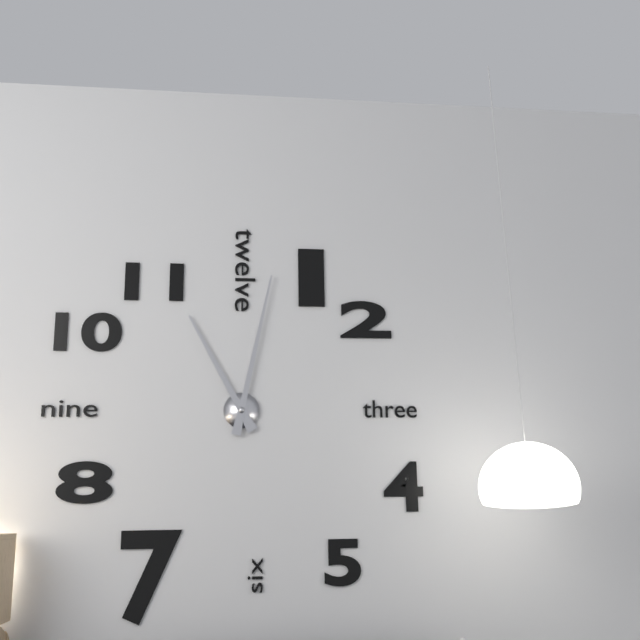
h=11 m=2
